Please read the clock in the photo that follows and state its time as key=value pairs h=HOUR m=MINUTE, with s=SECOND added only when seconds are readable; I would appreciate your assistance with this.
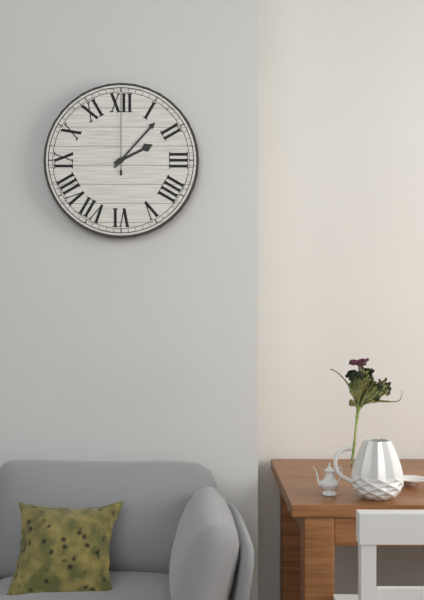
h=2 m=7 s=0
